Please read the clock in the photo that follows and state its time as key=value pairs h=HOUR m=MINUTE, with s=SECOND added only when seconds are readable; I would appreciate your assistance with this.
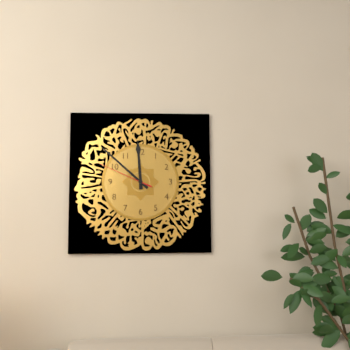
h=11 m=52 s=49
